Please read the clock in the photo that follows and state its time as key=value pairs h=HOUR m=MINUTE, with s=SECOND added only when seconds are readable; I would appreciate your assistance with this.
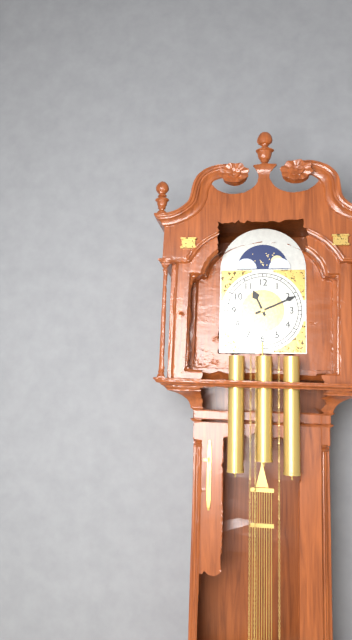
h=11 m=11
